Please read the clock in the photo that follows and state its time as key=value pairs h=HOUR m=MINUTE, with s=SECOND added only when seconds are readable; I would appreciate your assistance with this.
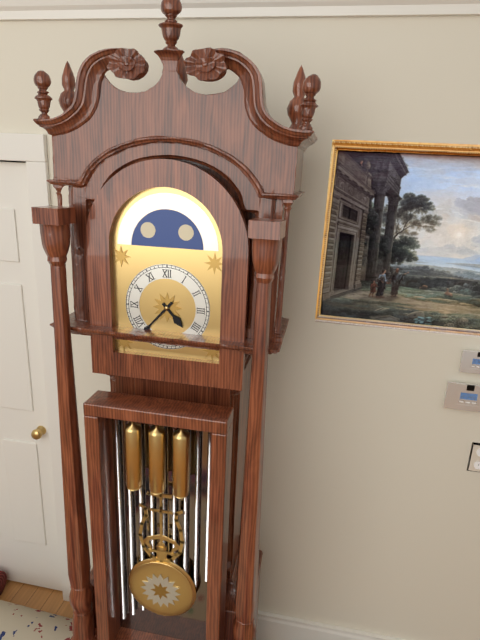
h=4 m=37
